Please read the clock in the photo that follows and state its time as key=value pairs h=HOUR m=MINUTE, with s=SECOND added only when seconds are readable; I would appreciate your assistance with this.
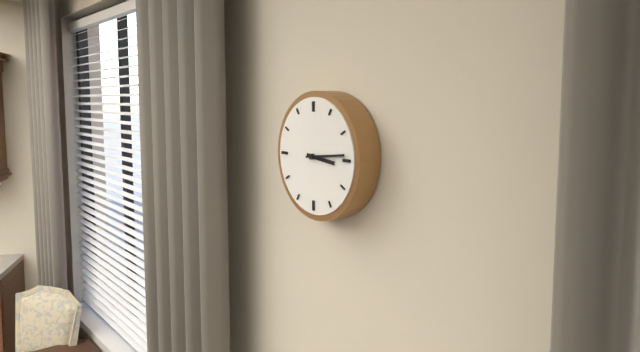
h=3 m=14
